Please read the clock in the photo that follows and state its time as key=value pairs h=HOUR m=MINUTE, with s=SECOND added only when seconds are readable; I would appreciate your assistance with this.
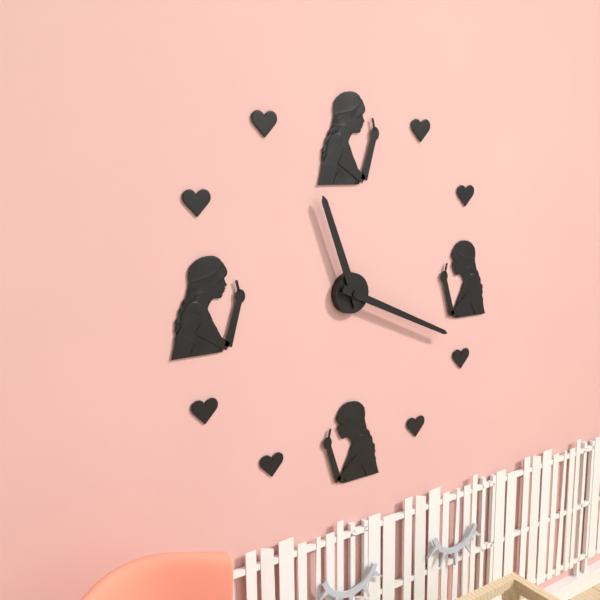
h=11 m=19
